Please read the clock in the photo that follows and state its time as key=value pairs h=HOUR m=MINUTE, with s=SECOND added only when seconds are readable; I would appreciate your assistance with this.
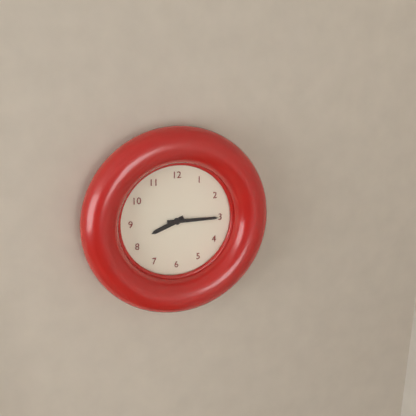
h=8 m=15
